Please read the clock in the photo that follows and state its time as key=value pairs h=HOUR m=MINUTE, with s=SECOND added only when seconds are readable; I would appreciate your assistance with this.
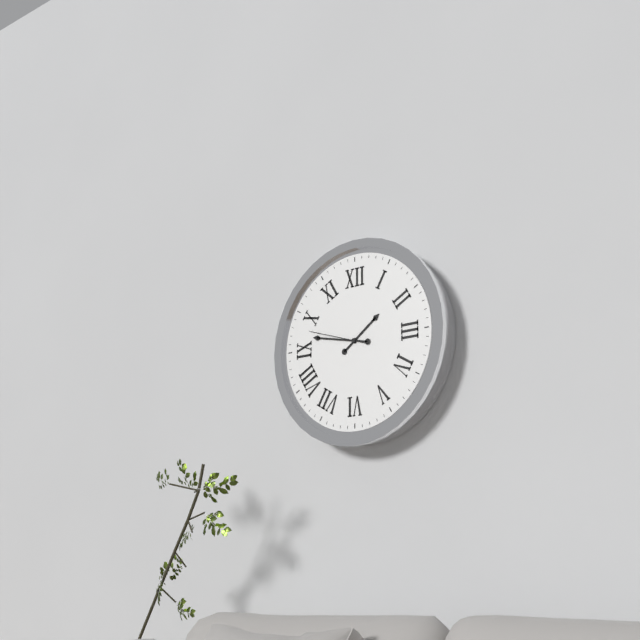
h=1 m=47 s=48
